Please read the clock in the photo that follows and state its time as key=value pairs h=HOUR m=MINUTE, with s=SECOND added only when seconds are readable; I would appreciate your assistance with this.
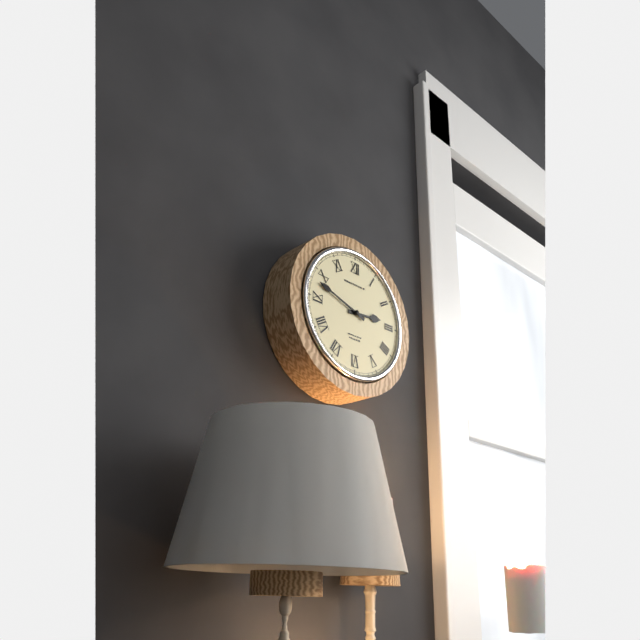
h=2 m=48
